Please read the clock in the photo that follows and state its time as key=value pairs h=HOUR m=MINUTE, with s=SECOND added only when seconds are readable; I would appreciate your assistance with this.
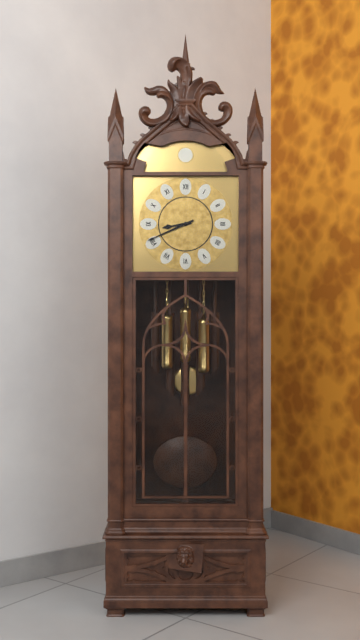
h=8 m=41
